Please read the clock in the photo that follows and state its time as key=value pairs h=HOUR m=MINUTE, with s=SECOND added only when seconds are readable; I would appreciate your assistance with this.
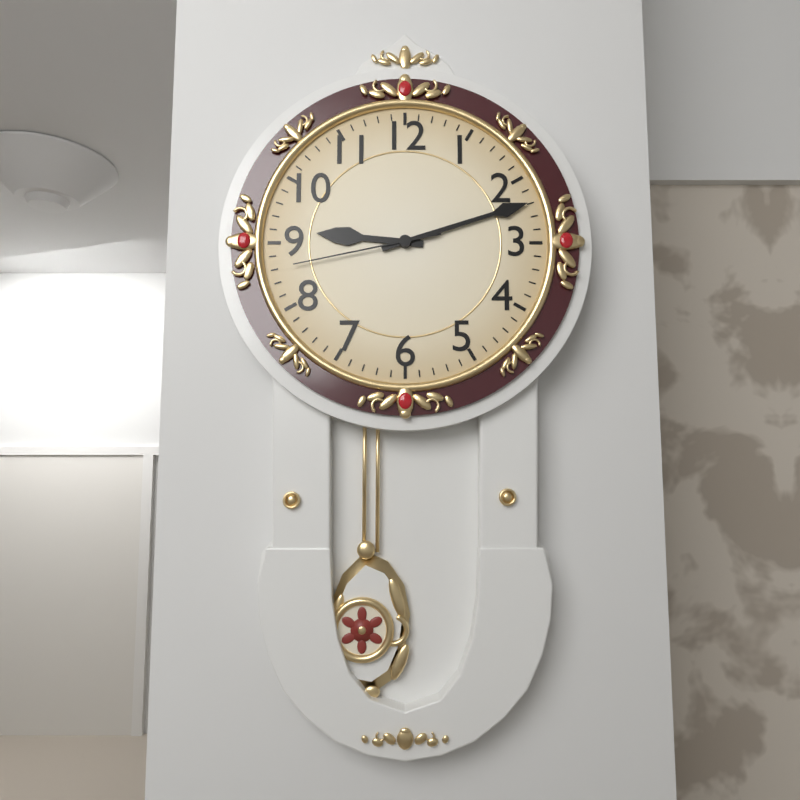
h=9 m=12 s=43
